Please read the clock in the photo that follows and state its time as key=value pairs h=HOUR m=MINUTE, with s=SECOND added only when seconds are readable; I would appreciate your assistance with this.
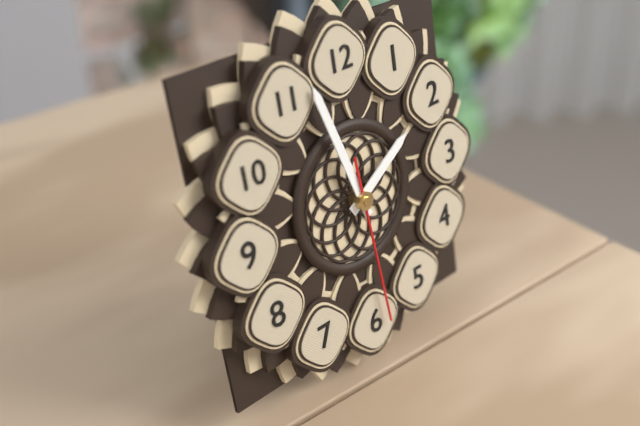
h=1 m=57 s=29
